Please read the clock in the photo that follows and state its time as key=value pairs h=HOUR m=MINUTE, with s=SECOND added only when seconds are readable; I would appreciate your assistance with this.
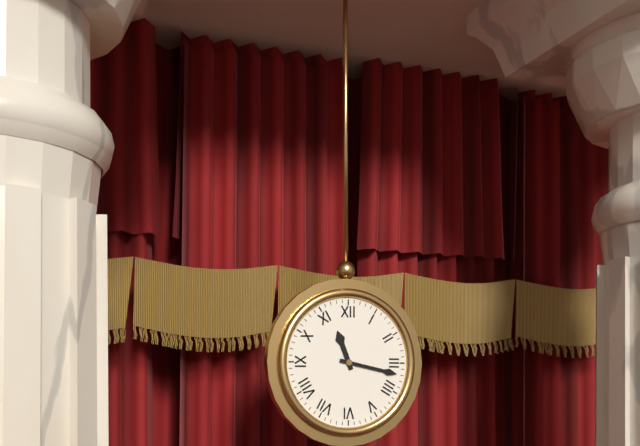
h=11 m=17
